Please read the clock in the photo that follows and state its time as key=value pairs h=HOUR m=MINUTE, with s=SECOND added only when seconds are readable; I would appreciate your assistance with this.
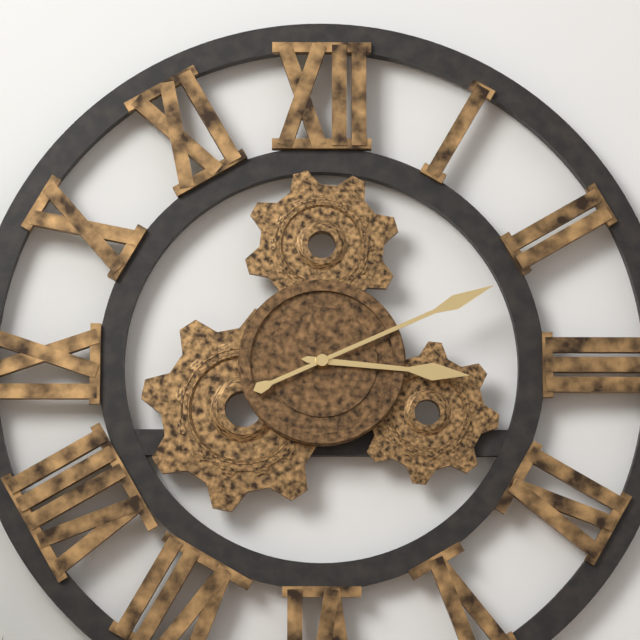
h=3 m=11
